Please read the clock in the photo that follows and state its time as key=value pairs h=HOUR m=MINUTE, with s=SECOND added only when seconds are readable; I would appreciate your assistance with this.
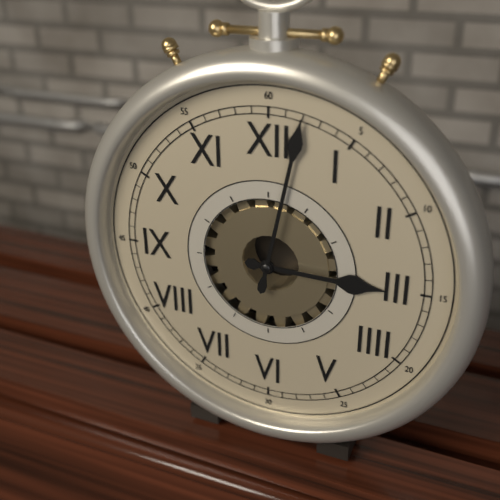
h=3 m=2
